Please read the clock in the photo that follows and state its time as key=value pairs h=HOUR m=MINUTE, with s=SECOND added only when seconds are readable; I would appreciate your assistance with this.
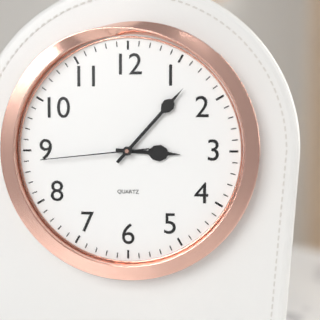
h=3 m=7 s=44
